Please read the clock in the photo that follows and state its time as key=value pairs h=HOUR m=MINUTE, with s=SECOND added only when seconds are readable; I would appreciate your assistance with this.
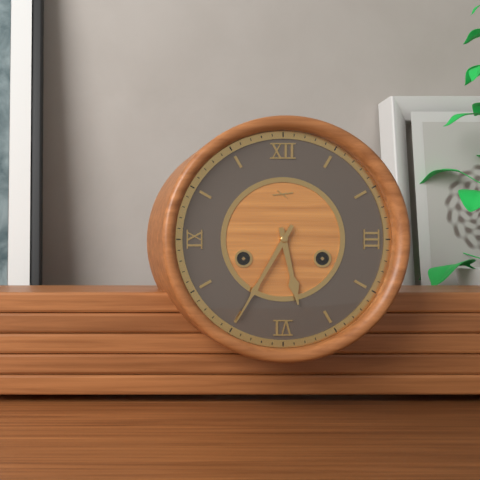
h=5 m=35
